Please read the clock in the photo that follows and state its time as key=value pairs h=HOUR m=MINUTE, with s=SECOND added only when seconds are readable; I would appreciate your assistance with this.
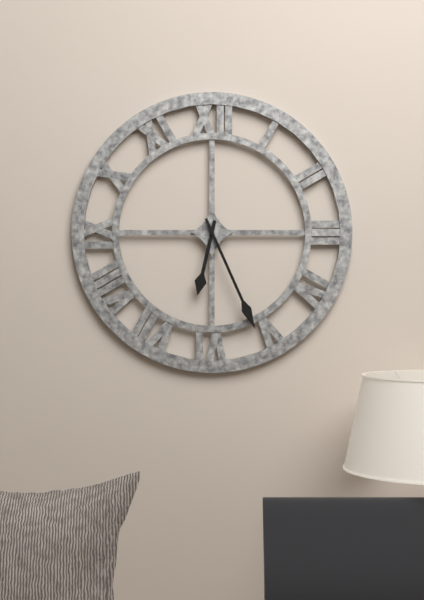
h=6 m=26
